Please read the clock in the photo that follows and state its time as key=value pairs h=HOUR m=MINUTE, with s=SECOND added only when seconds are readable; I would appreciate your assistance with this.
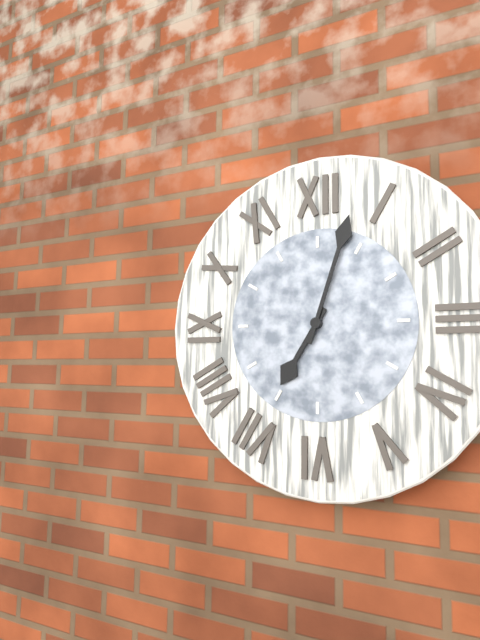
h=7 m=3
